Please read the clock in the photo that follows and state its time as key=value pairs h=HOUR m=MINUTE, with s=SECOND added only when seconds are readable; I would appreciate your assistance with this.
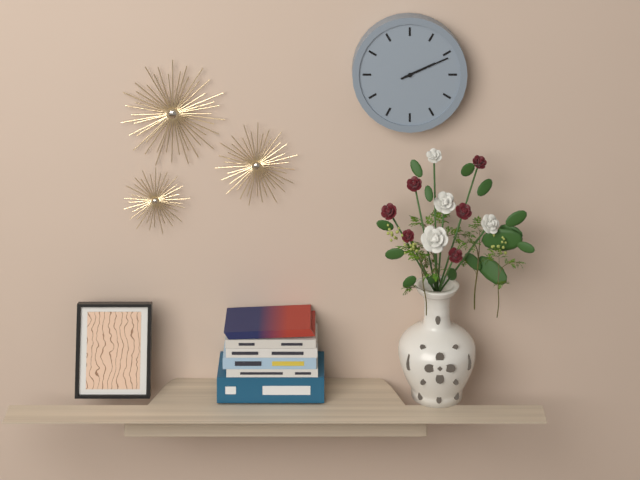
h=2 m=11
